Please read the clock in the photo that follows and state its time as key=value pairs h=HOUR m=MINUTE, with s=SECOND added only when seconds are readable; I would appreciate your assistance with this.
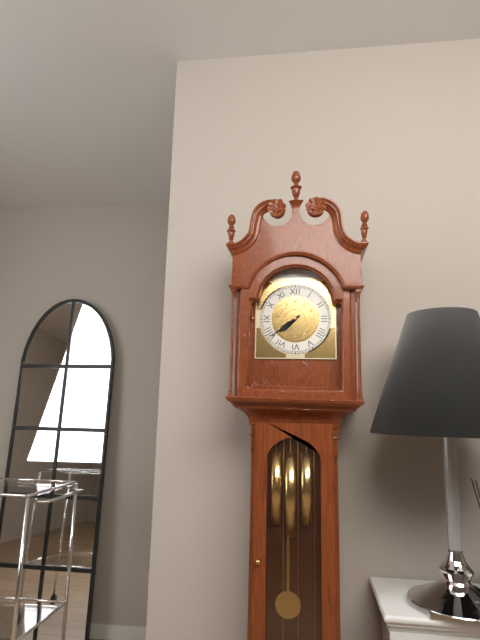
h=7 m=39
